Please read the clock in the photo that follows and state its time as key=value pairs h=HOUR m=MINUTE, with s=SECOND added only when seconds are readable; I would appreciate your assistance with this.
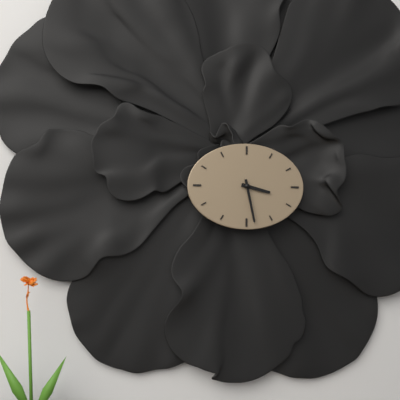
h=3 m=28
